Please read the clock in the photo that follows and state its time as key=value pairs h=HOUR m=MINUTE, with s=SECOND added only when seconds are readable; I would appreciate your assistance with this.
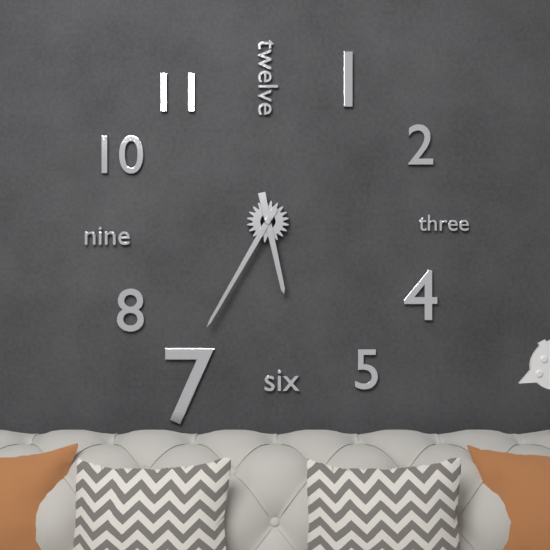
h=5 m=35
